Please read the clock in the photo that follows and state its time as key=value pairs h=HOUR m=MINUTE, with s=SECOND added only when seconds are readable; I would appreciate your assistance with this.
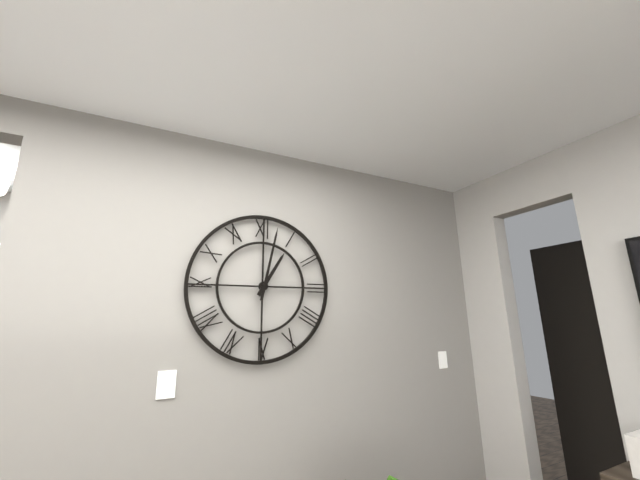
h=1 m=2
